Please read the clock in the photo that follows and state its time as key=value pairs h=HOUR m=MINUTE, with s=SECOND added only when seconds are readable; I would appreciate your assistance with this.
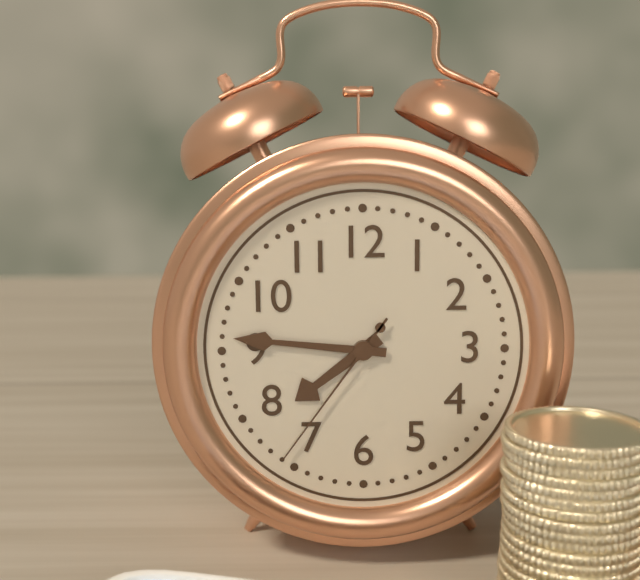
h=7 m=46 s=36
